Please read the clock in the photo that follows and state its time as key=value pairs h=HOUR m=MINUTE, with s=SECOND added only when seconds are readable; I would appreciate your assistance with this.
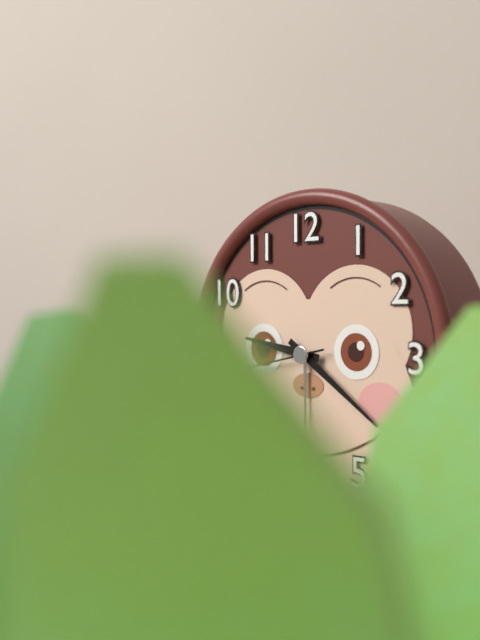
h=9 m=21
